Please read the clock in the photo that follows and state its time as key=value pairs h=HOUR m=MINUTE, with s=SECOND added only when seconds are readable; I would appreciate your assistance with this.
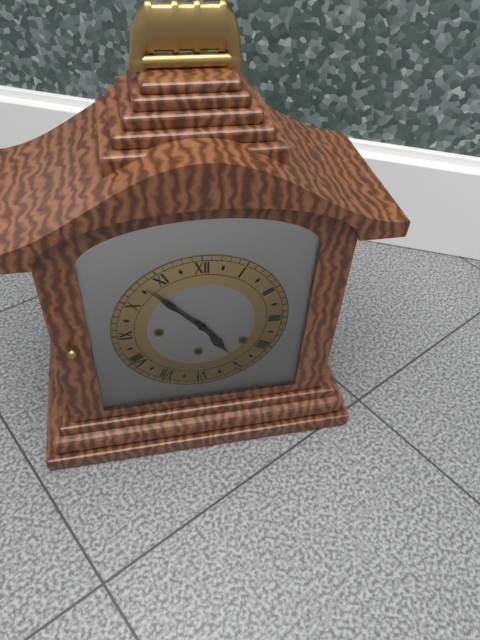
h=4 m=53
